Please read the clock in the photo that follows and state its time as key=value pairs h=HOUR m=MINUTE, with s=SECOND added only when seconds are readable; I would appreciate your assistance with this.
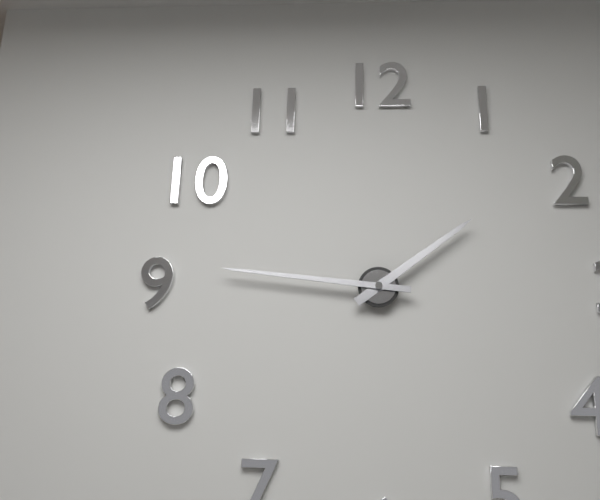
h=1 m=46
